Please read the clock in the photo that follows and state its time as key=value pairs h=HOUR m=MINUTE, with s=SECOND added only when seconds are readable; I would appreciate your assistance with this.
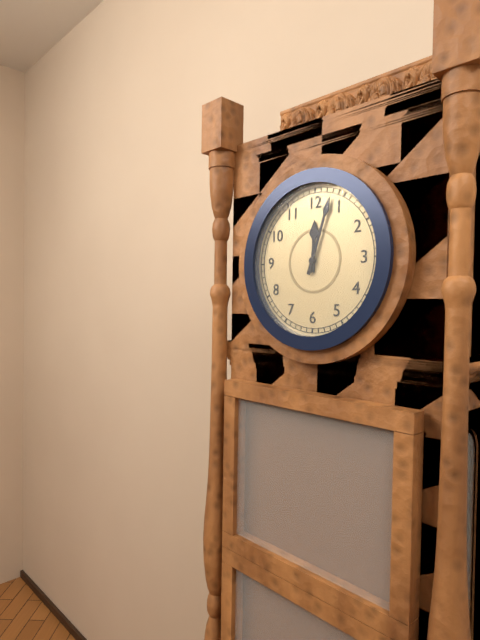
h=12 m=3
